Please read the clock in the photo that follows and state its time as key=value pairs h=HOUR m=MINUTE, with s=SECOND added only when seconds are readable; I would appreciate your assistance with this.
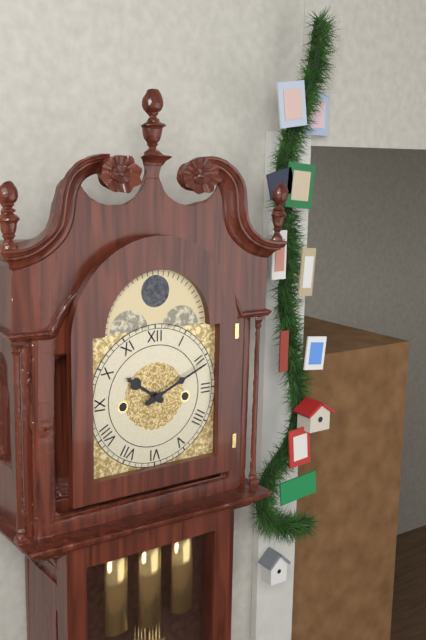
h=10 m=11
